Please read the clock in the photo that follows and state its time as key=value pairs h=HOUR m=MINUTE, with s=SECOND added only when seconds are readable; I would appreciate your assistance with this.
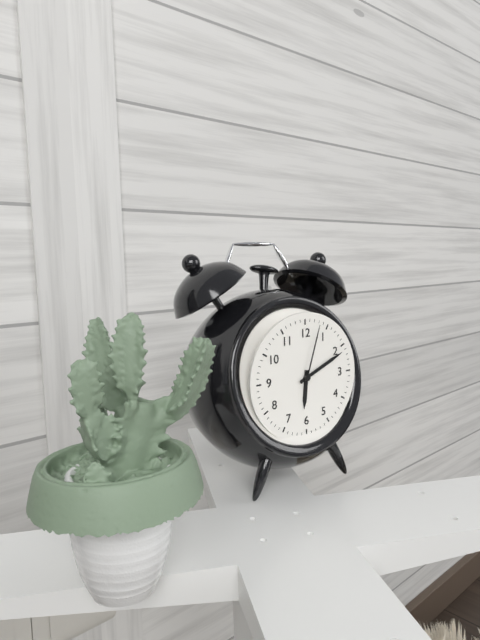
h=6 m=11 s=3
